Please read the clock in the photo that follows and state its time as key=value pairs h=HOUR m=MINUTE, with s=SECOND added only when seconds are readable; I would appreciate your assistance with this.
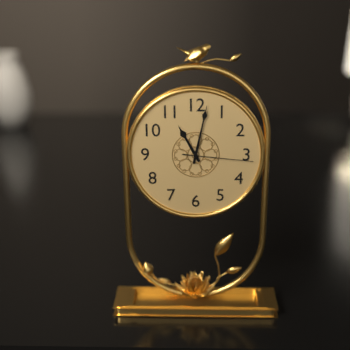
h=11 m=2 s=16
